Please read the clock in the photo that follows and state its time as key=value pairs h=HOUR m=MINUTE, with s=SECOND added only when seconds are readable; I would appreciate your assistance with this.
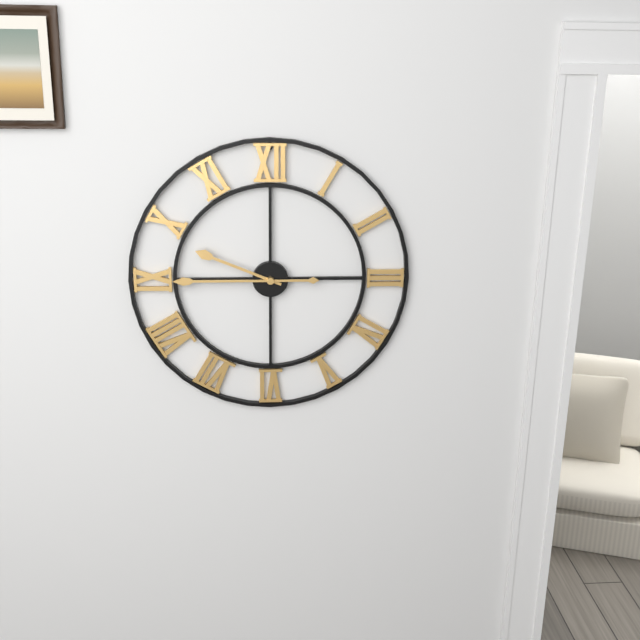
h=9 m=45
